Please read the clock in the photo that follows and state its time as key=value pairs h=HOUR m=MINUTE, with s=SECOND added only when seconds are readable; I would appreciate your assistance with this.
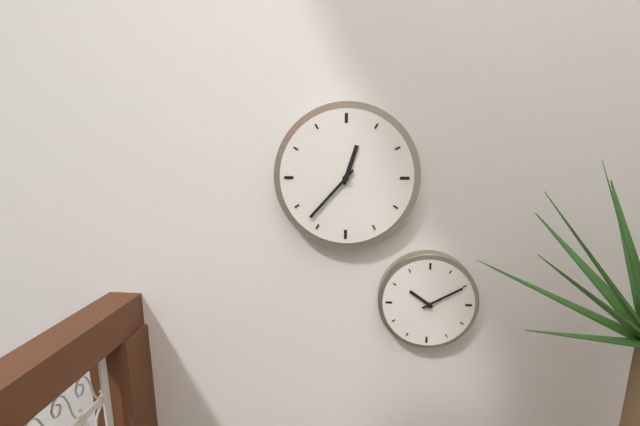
h=12 m=37
